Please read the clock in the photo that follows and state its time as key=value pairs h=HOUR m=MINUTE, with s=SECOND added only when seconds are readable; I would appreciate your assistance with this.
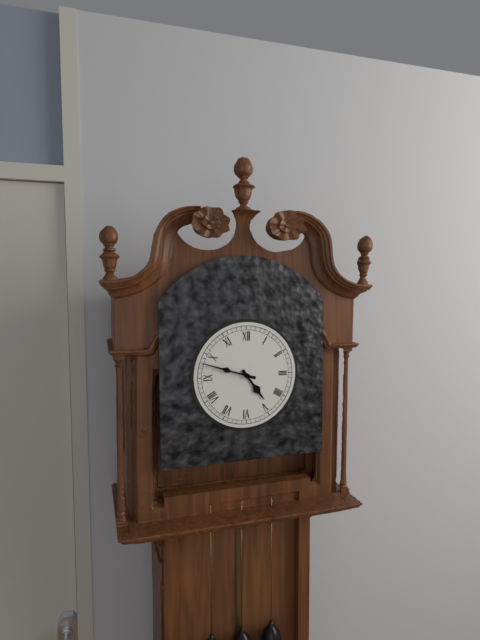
h=4 m=48
